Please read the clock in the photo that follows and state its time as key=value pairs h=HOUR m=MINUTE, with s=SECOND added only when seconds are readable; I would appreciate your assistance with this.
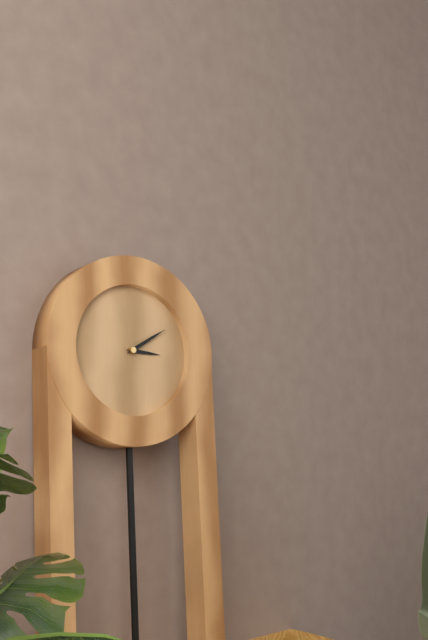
h=3 m=10
